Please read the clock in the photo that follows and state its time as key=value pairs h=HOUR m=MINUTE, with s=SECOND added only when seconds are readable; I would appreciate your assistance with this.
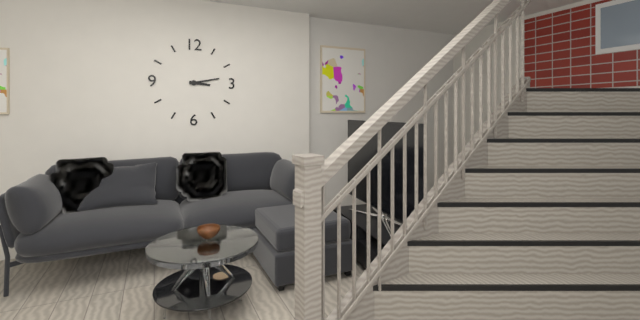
h=3 m=13
